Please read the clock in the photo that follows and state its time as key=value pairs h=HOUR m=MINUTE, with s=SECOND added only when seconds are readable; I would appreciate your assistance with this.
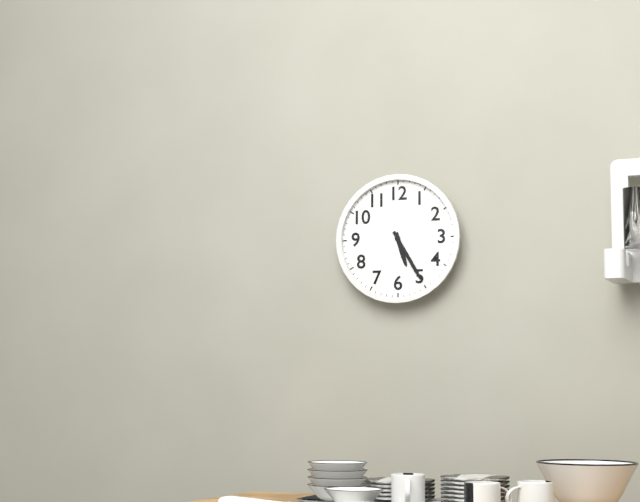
h=5 m=25
